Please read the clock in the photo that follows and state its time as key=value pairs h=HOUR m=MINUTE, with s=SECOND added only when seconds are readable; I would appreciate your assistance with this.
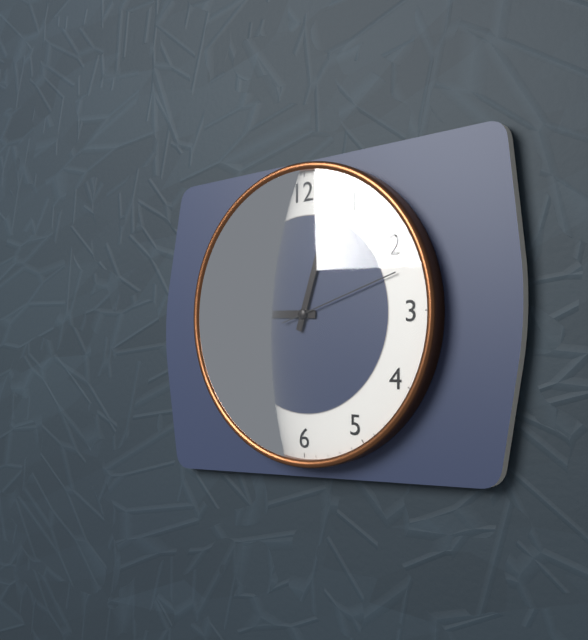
h=9 m=3 s=12
